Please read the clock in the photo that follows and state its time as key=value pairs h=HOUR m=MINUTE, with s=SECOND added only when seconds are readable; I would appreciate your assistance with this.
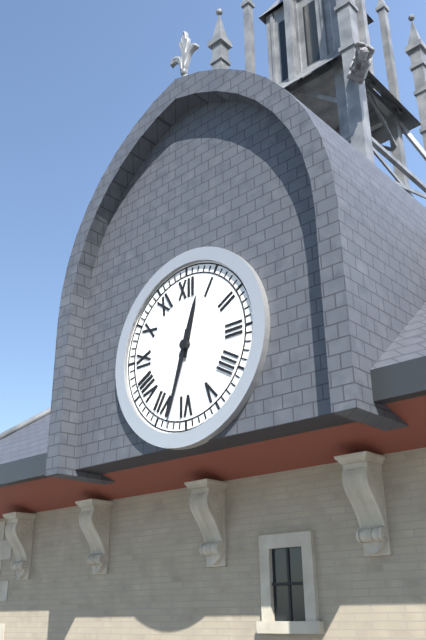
h=12 m=33
